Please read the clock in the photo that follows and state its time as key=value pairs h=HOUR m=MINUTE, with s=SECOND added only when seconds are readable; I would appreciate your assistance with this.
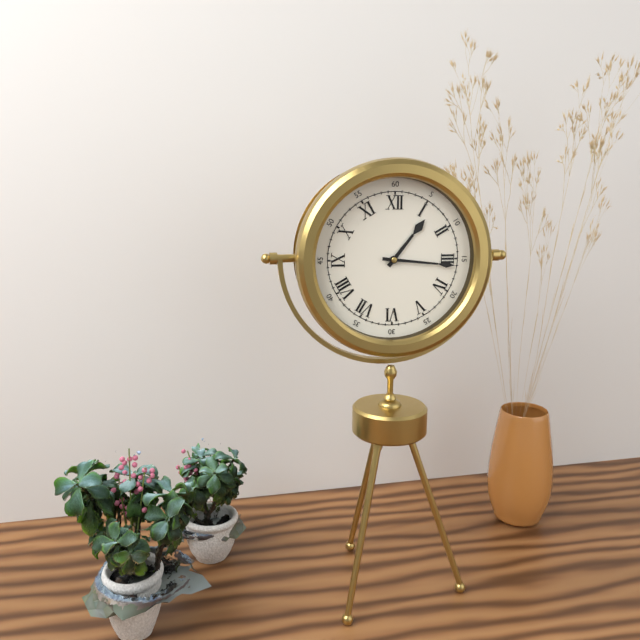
h=1 m=16
